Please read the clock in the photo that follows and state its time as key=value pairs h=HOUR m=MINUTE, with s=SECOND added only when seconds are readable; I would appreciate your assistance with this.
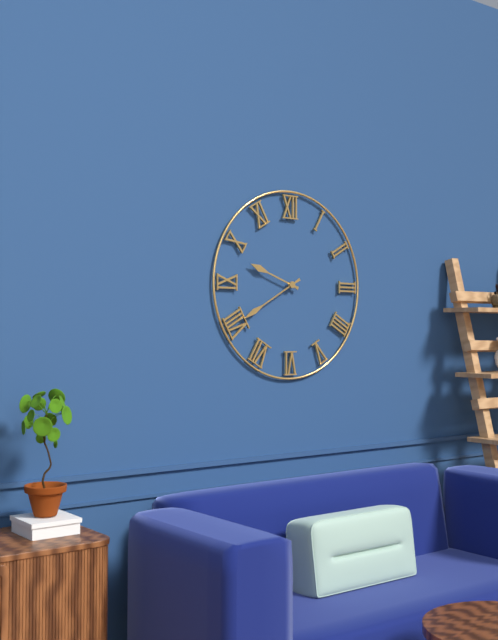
h=9 m=40
